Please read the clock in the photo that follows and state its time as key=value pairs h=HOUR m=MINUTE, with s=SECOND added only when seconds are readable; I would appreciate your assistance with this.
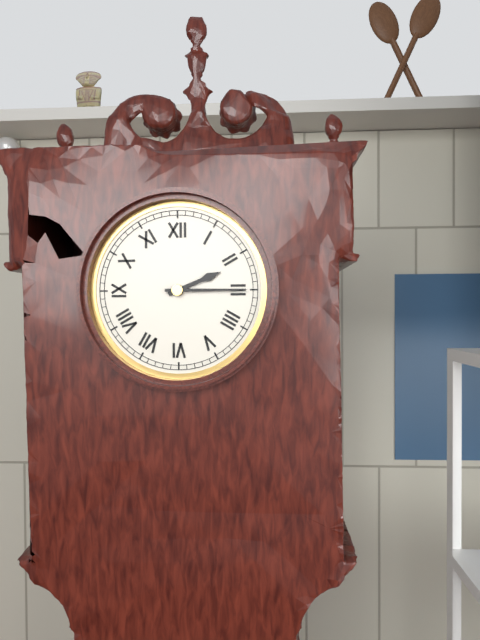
h=2 m=15
